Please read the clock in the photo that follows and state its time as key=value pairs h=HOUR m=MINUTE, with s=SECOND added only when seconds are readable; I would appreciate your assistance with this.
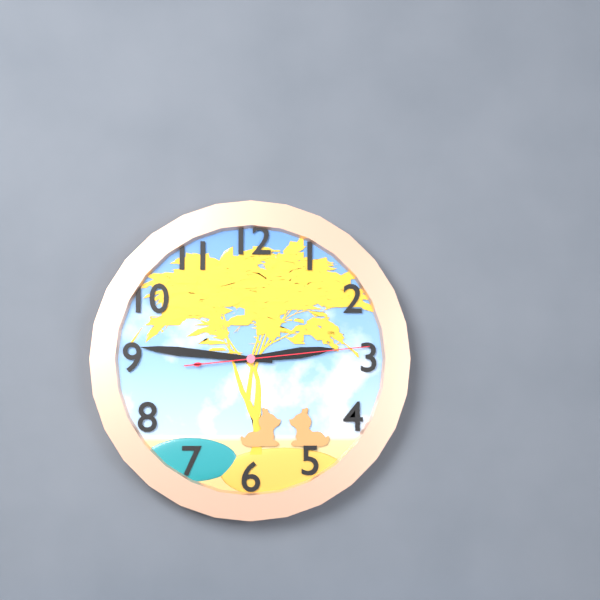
h=2 m=46 s=14
